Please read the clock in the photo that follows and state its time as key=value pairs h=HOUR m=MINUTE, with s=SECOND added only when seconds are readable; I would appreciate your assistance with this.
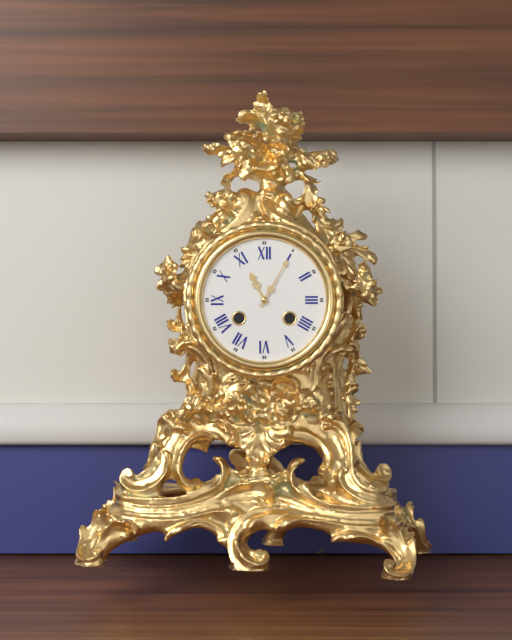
h=11 m=5
